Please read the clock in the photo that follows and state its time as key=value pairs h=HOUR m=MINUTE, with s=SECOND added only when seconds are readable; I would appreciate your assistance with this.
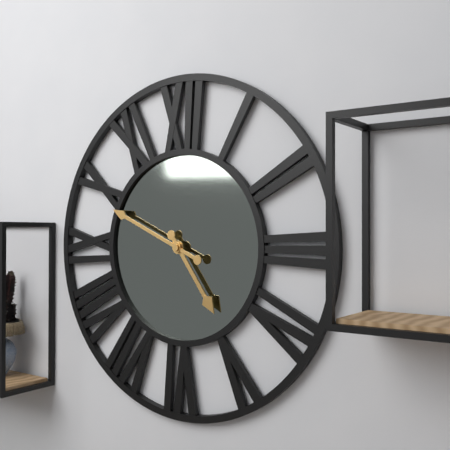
h=4 m=49
